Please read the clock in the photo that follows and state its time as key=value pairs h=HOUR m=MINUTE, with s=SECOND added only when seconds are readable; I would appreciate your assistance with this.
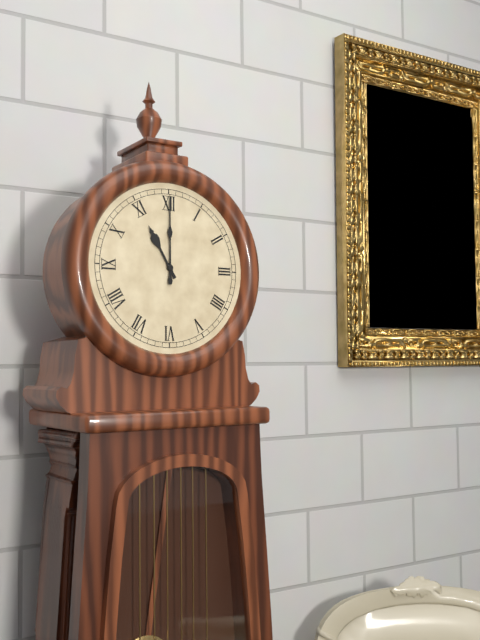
h=11 m=0
